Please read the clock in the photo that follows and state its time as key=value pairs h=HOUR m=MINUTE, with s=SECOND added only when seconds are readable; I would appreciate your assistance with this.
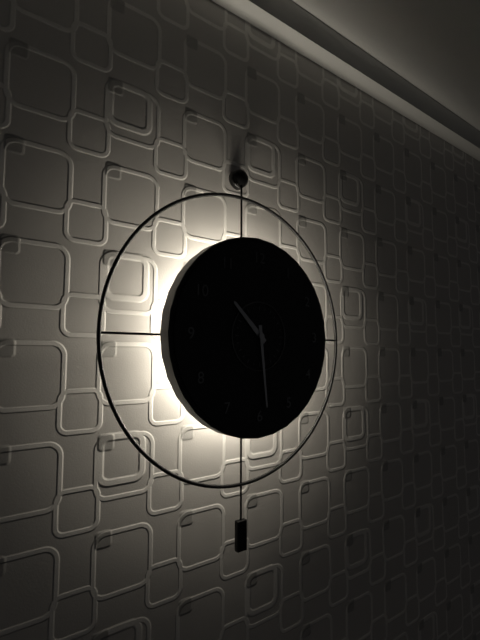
h=10 m=29
